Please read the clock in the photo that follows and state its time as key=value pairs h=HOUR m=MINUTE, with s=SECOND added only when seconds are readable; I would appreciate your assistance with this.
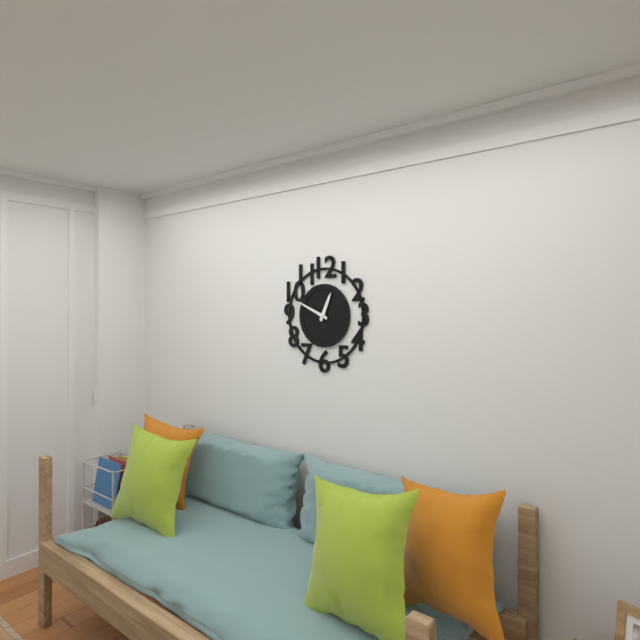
h=12 m=49
